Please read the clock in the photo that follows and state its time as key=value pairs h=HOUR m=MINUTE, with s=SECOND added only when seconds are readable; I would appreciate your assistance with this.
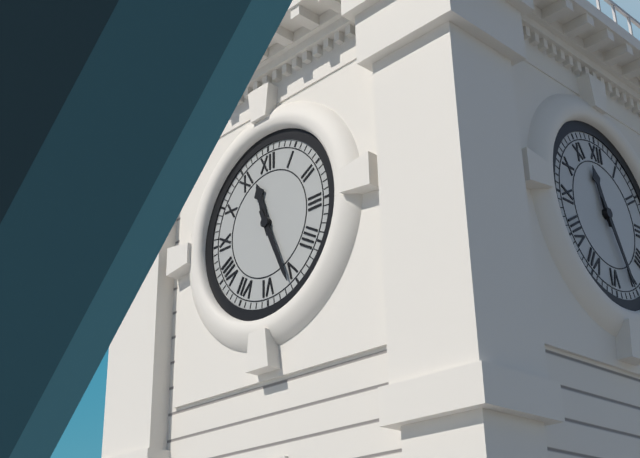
h=11 m=26
